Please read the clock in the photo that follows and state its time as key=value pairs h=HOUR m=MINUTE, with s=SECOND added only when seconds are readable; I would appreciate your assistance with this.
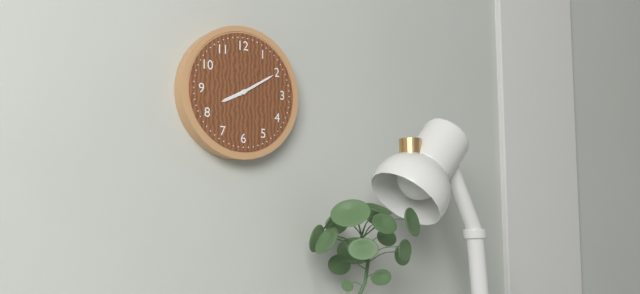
h=8 m=10
